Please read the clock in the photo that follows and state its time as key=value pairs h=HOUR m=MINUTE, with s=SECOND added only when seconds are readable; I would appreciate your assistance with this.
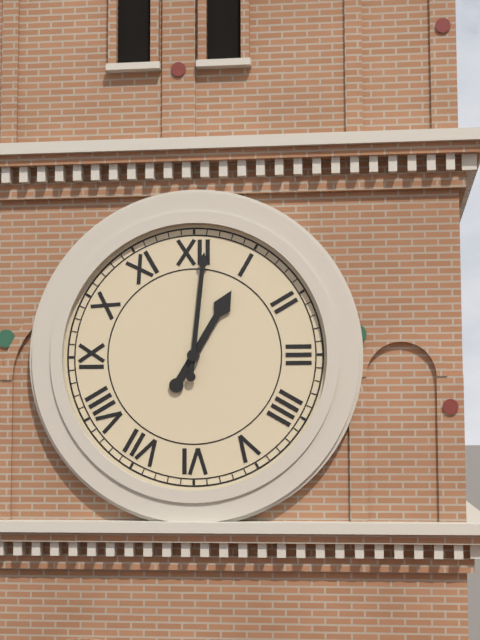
h=1 m=1
